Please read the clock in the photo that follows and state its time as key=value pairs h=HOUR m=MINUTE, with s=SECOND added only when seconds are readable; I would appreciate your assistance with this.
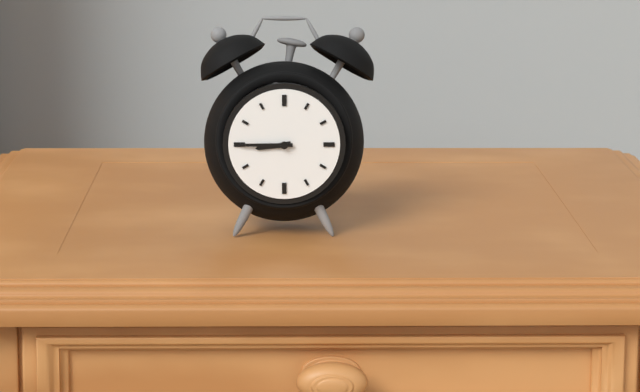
h=8 m=45
